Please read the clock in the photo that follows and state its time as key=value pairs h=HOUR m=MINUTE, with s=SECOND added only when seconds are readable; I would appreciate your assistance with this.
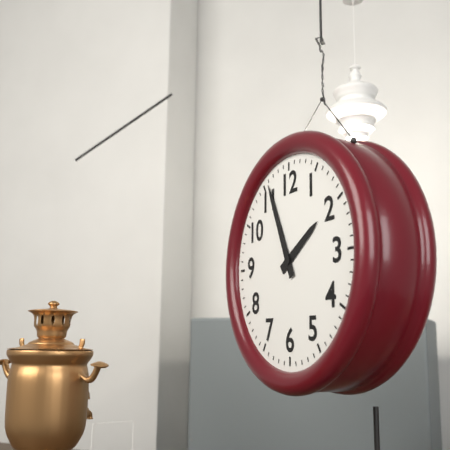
h=1 m=56
